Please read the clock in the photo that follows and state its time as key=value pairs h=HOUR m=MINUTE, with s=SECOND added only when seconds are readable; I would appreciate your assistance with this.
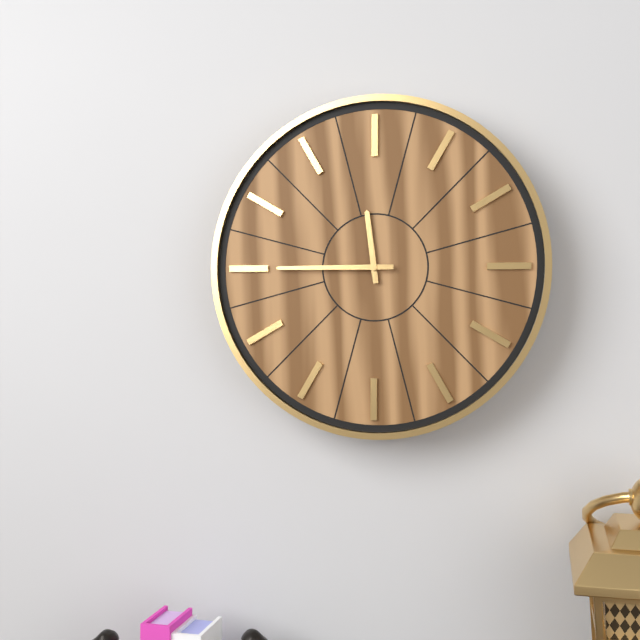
h=11 m=45
